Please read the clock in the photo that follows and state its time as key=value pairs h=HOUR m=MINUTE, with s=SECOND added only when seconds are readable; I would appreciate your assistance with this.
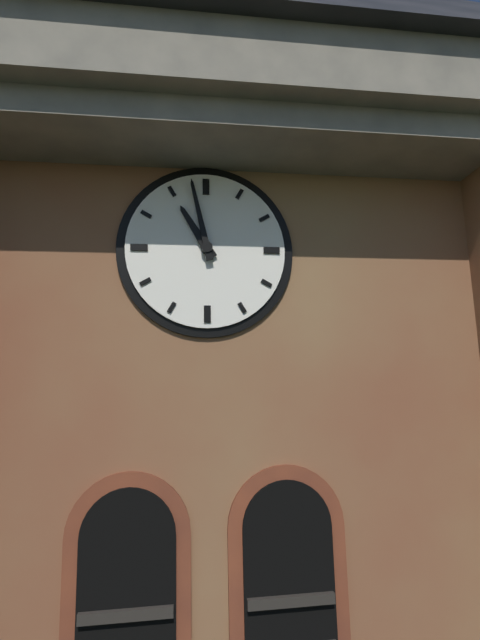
h=10 m=58
